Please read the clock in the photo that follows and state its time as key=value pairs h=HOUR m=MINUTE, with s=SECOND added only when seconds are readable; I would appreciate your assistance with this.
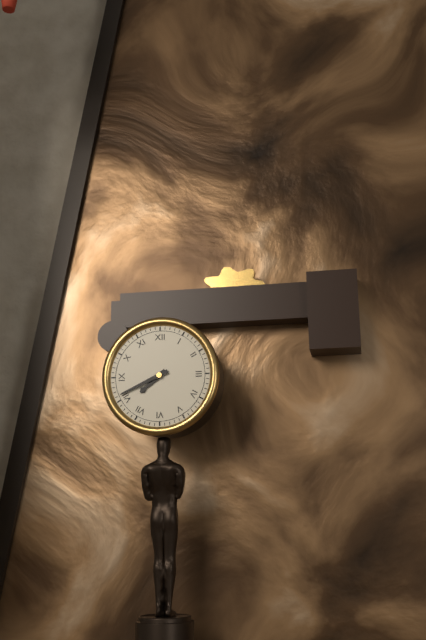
h=7 m=41
